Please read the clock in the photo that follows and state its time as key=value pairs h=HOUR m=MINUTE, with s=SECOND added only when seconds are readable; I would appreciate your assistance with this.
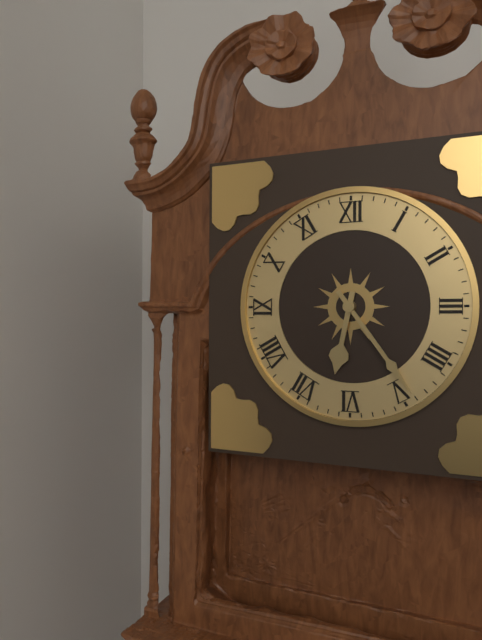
h=6 m=24
